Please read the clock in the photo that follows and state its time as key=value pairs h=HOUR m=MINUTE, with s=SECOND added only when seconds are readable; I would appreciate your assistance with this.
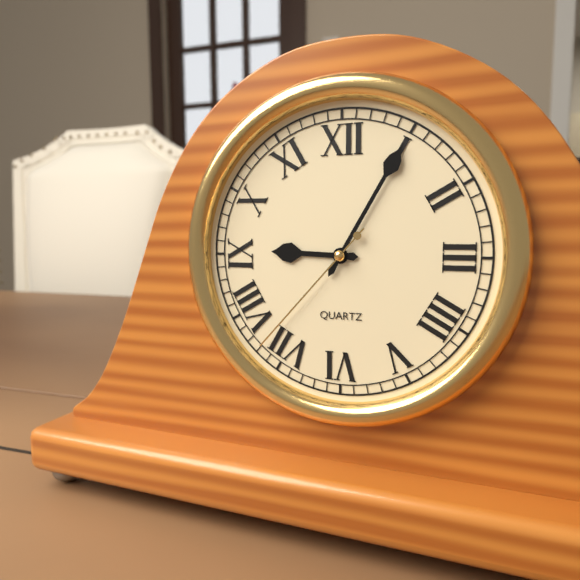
h=9 m=5 s=37
